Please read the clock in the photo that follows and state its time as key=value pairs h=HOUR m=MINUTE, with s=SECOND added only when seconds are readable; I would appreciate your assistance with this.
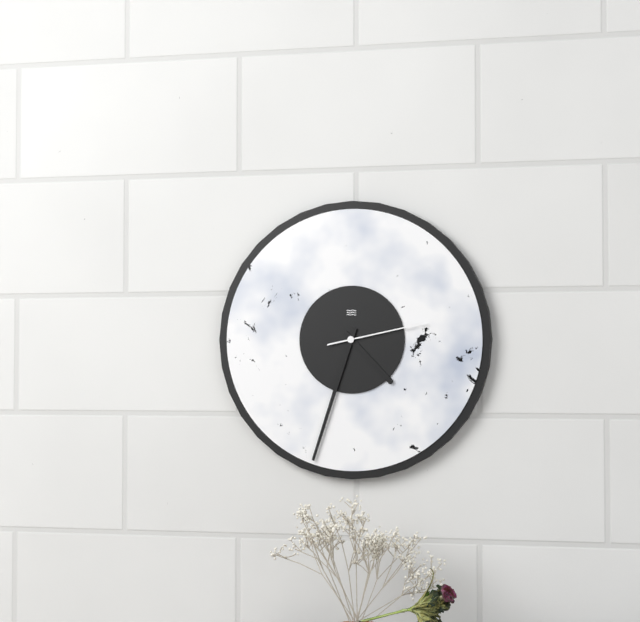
h=4 m=33 s=13
